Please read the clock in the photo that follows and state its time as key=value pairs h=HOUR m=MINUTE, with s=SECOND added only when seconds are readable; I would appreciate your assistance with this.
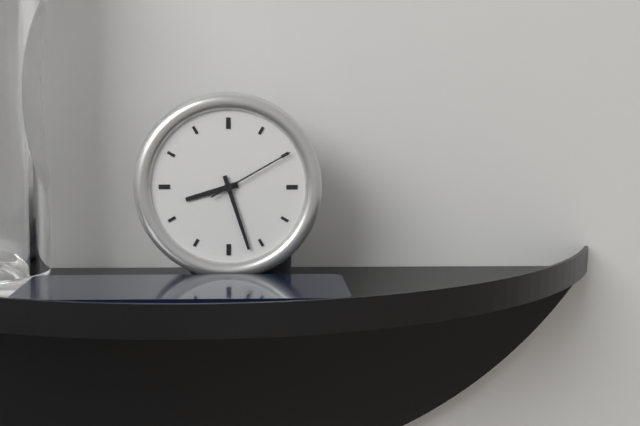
h=8 m=27 s=10
